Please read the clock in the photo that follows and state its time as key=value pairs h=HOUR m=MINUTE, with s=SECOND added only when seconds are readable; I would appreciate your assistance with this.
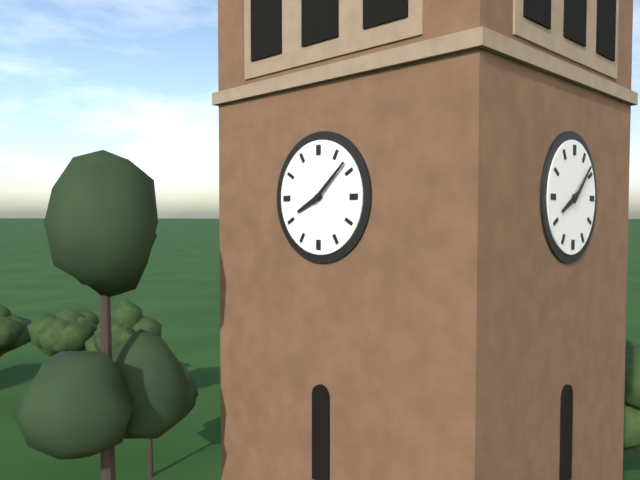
h=8 m=8
